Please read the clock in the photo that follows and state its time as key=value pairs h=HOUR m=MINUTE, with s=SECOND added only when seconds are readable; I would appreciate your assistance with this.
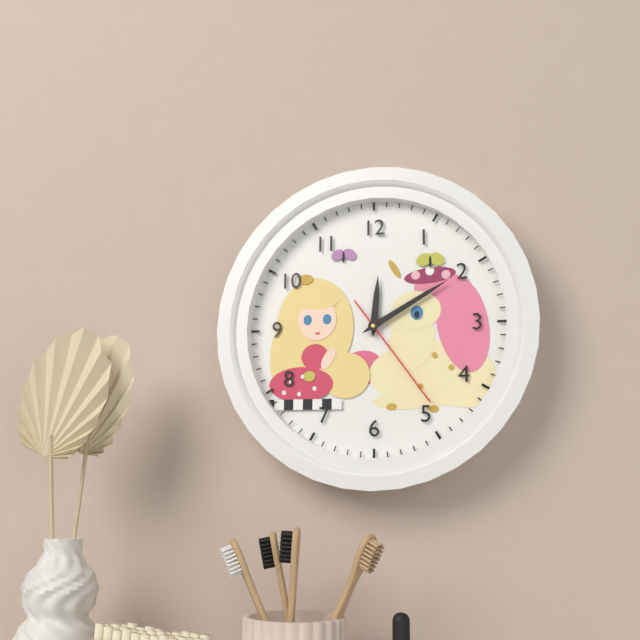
h=12 m=10 s=24
